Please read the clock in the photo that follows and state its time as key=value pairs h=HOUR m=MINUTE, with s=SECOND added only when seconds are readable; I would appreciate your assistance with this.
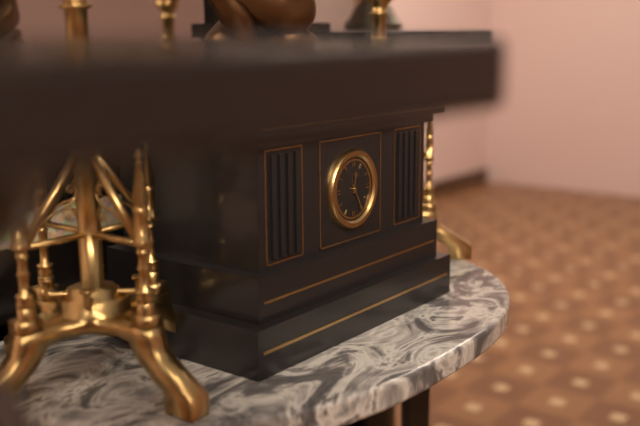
h=12 m=25
